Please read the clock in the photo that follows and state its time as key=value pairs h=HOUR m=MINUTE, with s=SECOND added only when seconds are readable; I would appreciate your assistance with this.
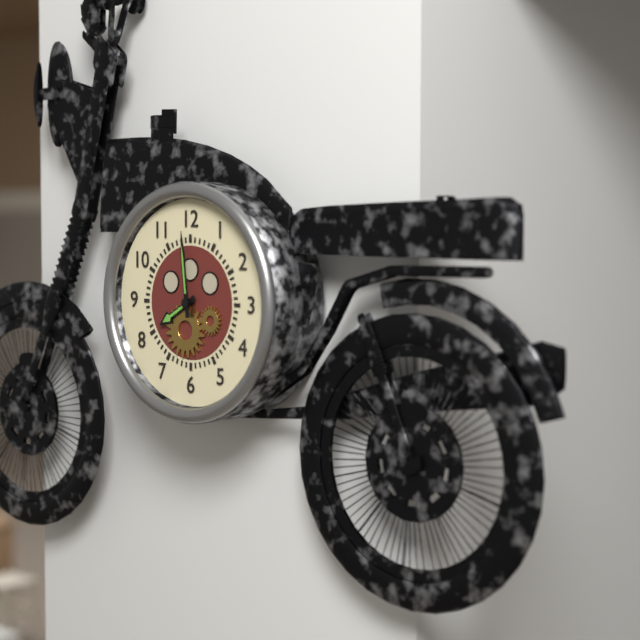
h=7 m=59
